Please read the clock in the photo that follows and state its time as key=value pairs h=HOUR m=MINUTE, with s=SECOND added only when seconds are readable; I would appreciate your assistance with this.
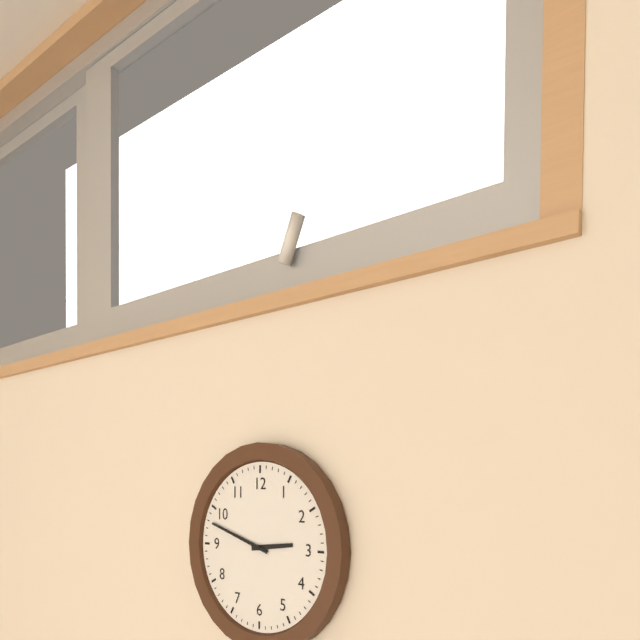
h=2 m=48
